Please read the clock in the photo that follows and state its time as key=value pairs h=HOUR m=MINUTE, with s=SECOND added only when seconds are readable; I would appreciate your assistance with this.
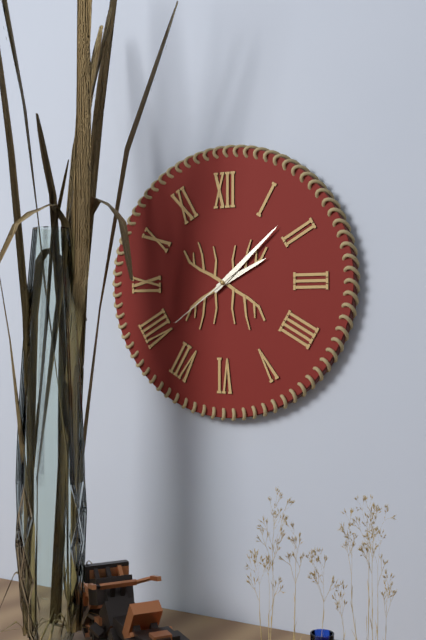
h=2 m=8 s=39
